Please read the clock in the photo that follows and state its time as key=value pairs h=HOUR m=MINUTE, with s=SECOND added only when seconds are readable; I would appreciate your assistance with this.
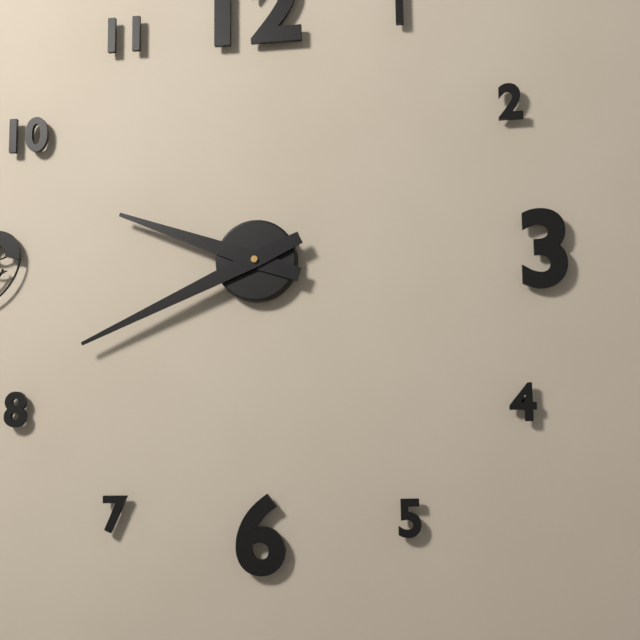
h=9 m=41
